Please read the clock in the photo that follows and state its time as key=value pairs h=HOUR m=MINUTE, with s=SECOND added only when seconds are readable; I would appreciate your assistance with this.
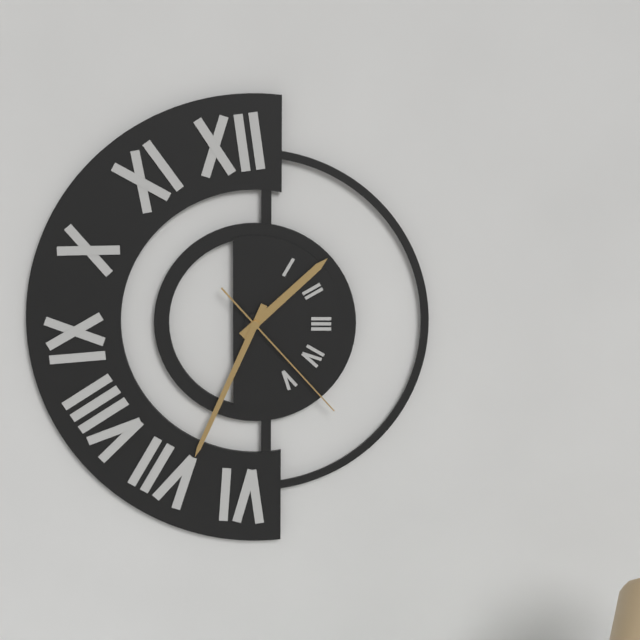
h=1 m=34 s=23
